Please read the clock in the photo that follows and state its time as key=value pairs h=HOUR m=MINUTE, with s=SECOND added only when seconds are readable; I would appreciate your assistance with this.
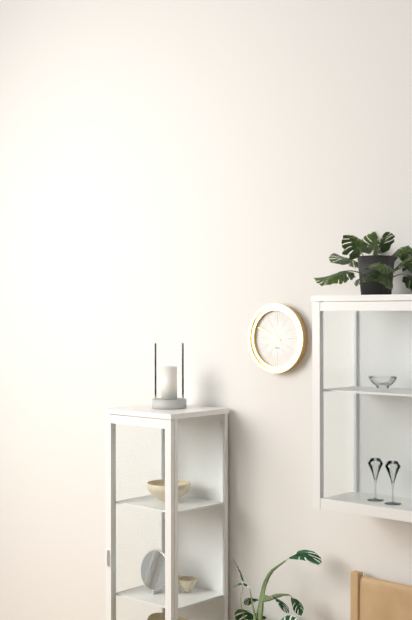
h=10 m=49
